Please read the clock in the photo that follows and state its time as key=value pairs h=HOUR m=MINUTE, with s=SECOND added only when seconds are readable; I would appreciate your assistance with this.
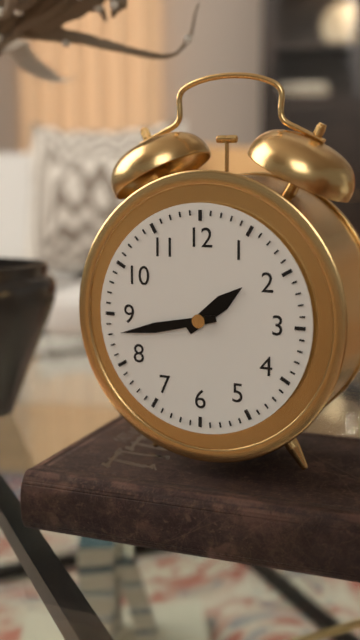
h=1 m=43
